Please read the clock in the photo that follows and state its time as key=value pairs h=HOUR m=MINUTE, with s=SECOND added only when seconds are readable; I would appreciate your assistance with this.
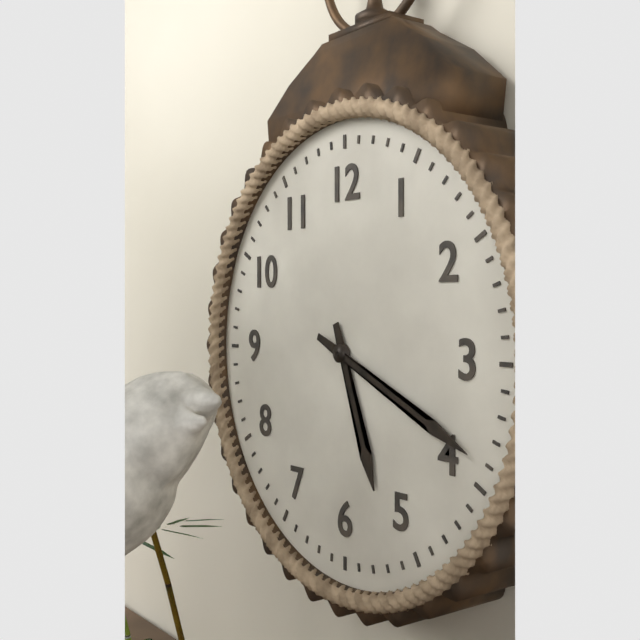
h=5 m=19
